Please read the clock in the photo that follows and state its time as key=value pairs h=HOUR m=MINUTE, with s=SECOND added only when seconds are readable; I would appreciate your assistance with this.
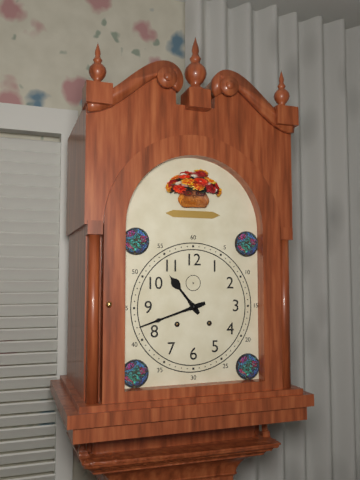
h=10 m=42
